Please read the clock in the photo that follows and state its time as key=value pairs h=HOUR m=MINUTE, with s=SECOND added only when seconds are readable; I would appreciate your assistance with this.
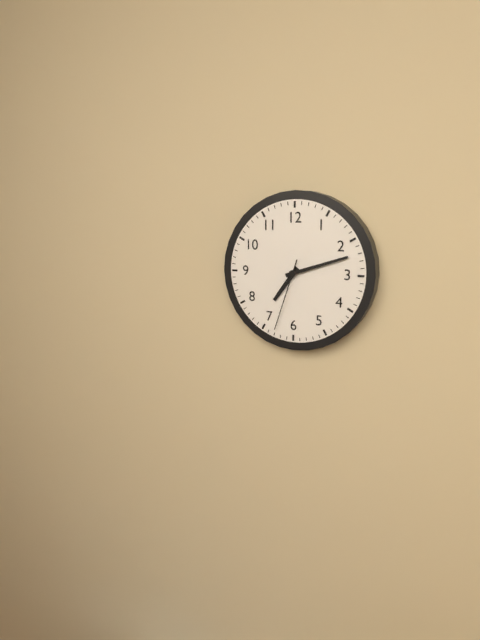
h=7 m=12 s=33
